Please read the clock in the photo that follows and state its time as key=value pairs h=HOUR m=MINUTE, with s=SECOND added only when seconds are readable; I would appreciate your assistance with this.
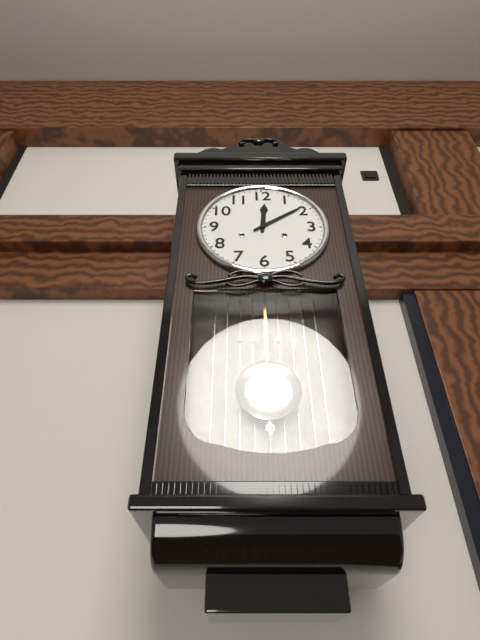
h=12 m=9
